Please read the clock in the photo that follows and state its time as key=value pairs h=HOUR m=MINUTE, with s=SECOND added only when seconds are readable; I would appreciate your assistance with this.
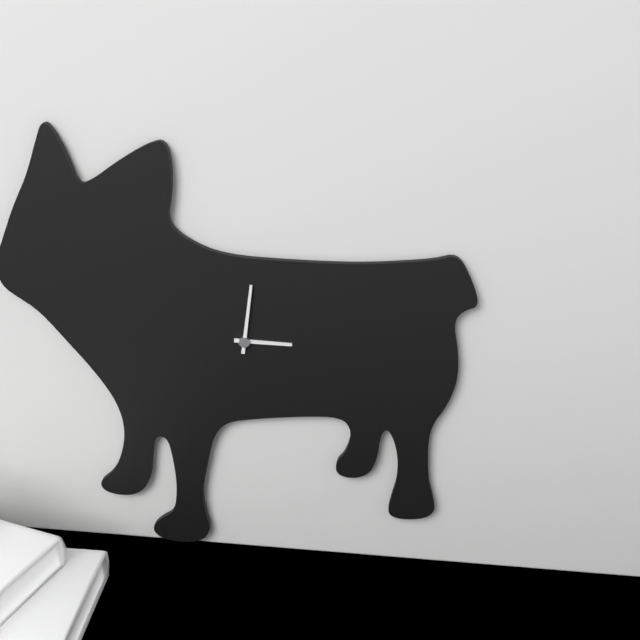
h=3 m=1
